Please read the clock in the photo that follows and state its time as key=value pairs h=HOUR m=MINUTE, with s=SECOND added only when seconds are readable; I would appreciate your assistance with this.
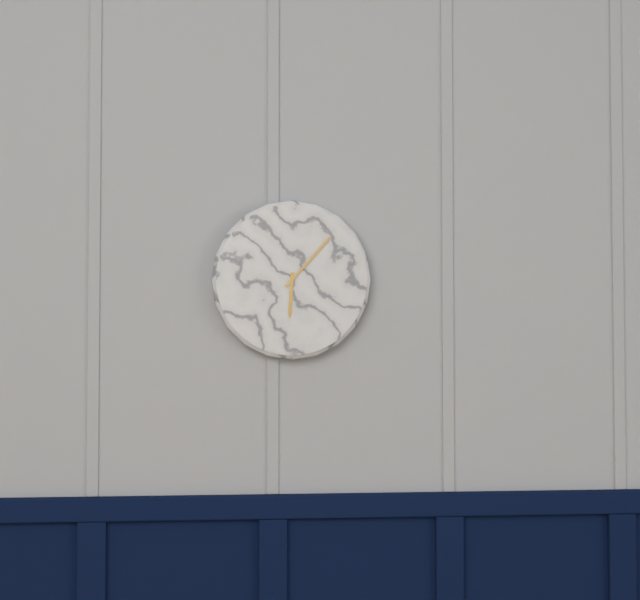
h=6 m=7
